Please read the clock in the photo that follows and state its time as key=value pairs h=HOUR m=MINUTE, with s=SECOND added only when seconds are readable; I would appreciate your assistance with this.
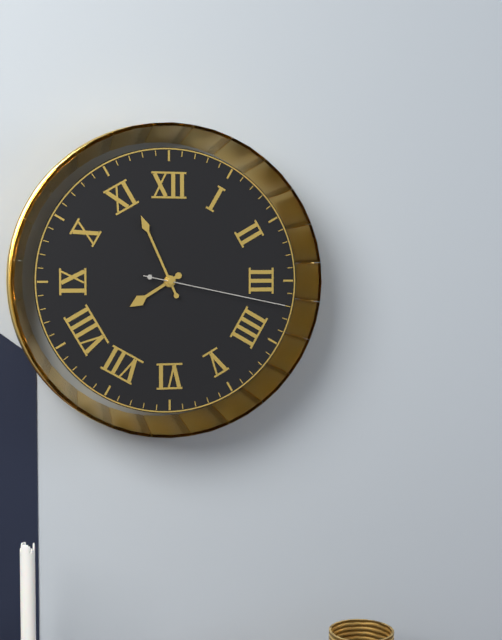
h=7 m=56 s=17
